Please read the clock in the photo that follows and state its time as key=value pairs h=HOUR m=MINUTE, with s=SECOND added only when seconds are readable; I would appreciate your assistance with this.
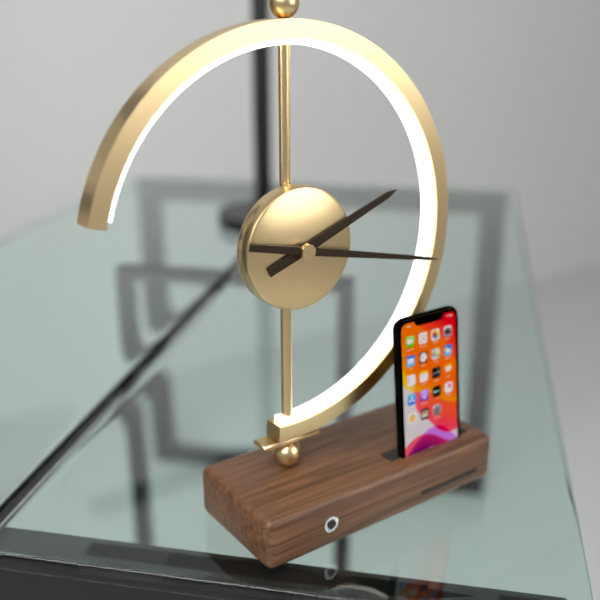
h=2 m=17
